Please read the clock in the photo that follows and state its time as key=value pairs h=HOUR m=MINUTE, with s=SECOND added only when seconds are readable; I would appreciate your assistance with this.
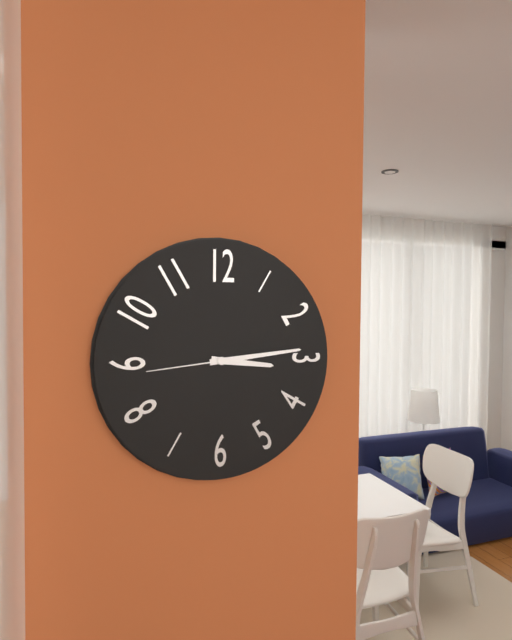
h=3 m=14 s=44
